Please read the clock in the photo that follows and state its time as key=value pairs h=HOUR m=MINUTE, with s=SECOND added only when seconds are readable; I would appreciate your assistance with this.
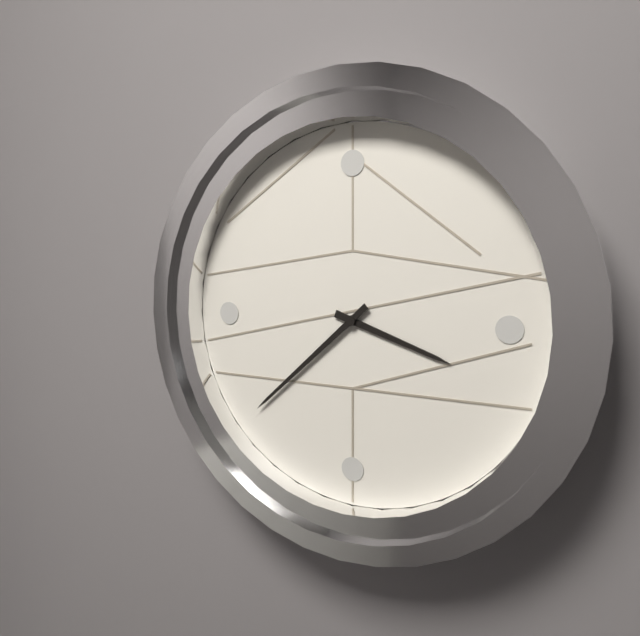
h=3 m=38
